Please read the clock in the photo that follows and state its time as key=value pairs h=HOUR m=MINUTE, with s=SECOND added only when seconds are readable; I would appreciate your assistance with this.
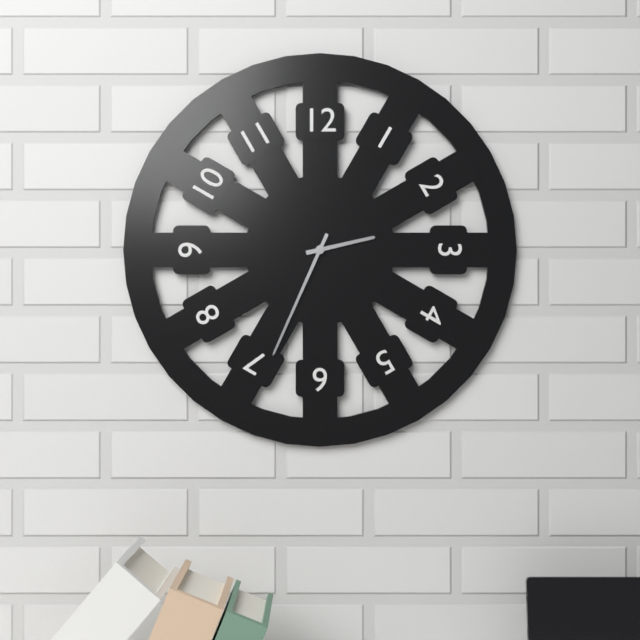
h=2 m=34
